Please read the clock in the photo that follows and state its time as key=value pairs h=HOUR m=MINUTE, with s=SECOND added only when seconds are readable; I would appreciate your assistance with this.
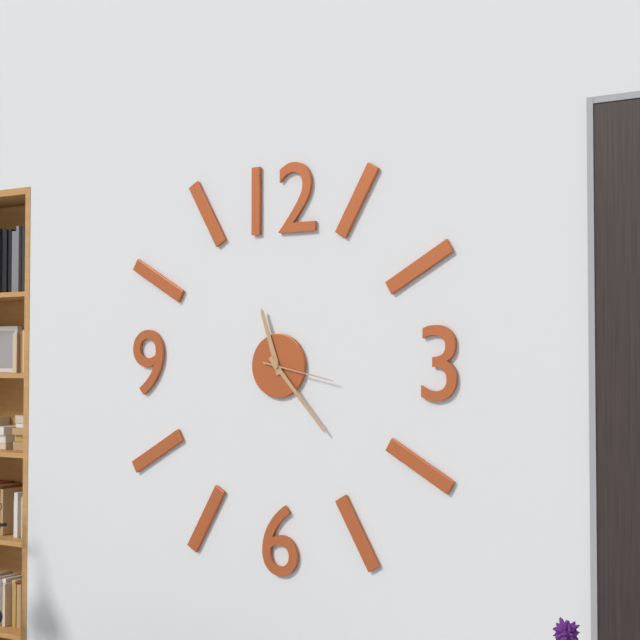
h=11 m=23 s=17
